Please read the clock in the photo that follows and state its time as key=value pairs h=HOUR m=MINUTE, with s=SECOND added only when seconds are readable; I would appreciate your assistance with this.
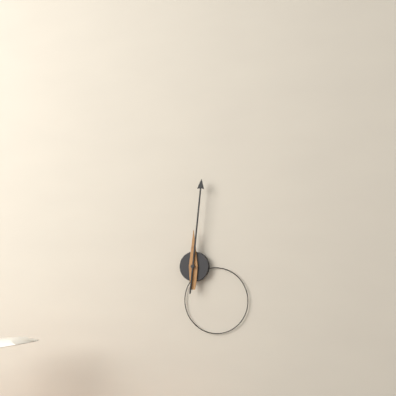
h=12 m=1
